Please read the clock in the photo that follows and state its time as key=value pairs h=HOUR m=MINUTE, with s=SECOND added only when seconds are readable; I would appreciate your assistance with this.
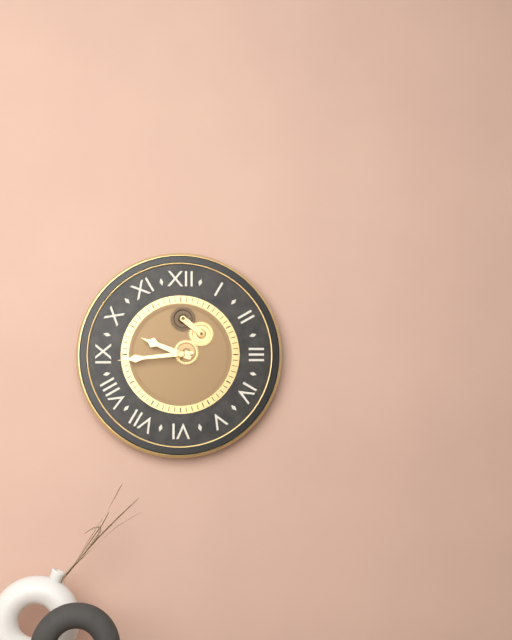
h=9 m=44
